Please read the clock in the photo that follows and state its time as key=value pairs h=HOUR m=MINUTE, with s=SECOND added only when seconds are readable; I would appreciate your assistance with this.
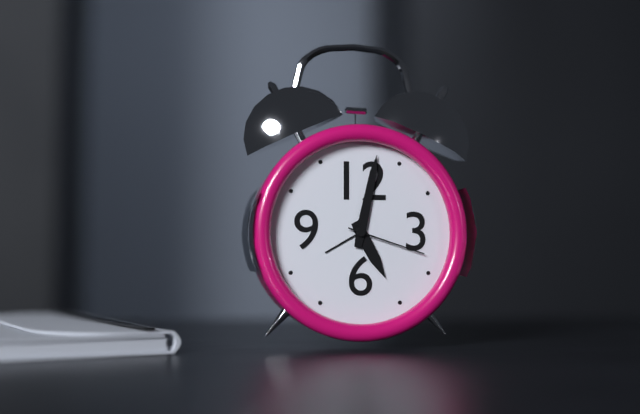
h=5 m=2 s=18
